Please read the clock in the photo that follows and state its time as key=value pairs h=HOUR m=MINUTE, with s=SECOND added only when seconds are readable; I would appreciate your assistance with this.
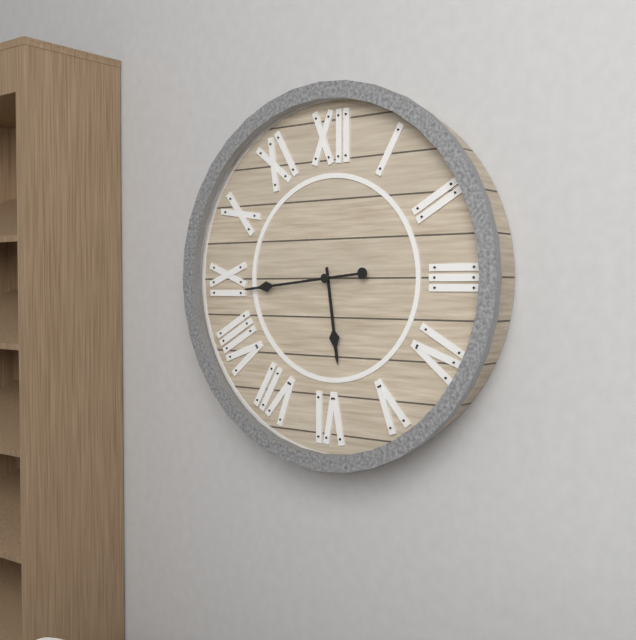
h=5 m=44
